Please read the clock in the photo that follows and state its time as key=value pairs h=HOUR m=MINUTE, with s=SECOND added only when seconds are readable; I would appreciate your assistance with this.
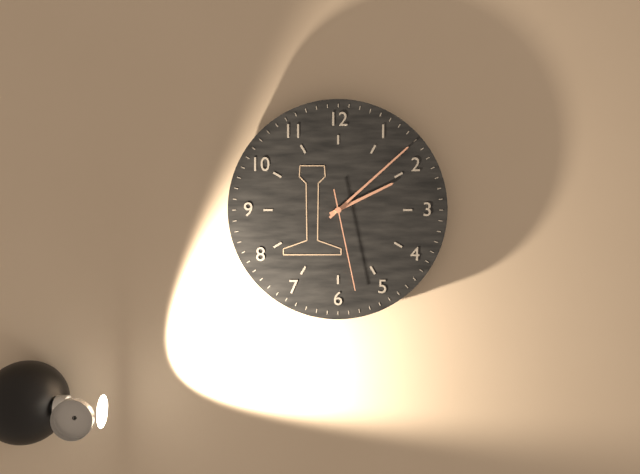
h=2 m=8 s=28
